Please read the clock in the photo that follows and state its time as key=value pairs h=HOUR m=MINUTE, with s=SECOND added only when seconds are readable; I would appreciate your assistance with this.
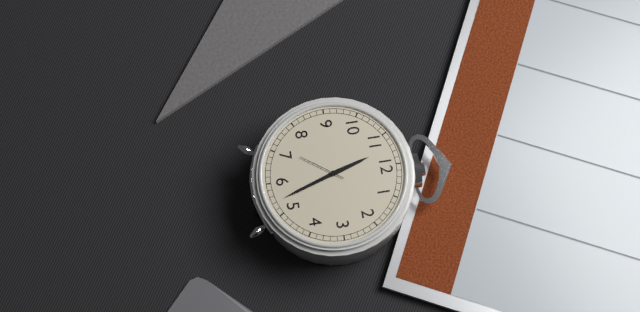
h=11 m=27
